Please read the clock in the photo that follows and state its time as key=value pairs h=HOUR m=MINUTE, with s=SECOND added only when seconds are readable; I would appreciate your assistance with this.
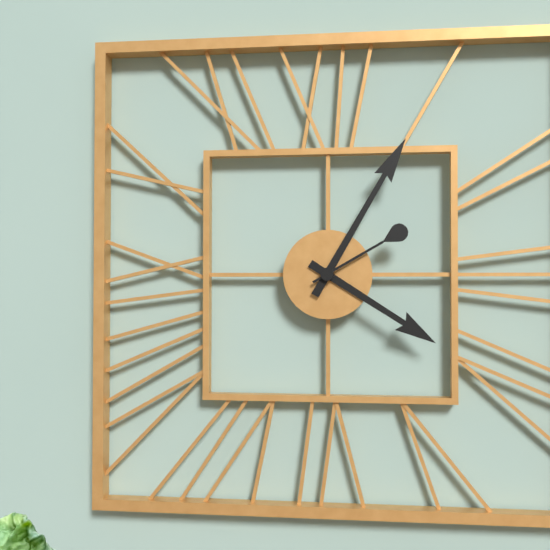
h=4 m=5 s=10
